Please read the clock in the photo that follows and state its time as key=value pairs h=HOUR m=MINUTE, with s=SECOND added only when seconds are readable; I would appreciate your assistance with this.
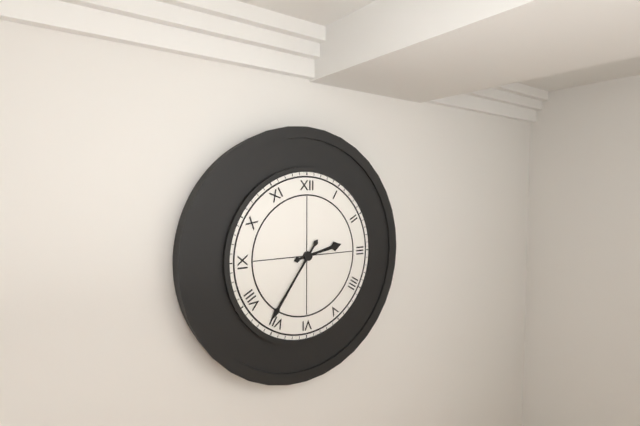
h=2 m=36
